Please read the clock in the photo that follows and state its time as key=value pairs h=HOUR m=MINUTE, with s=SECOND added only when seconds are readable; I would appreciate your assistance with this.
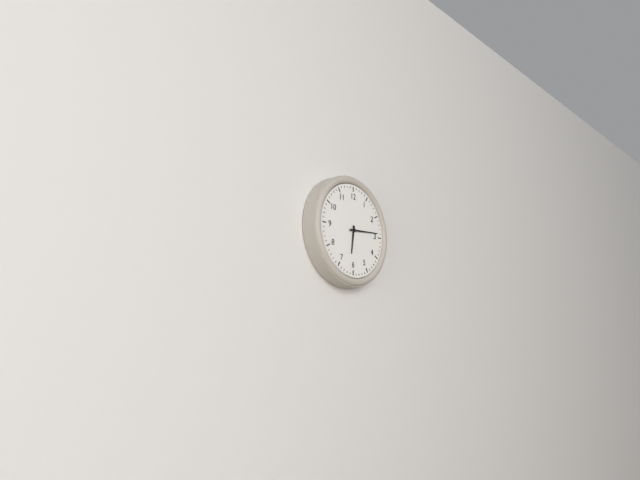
h=6 m=14
